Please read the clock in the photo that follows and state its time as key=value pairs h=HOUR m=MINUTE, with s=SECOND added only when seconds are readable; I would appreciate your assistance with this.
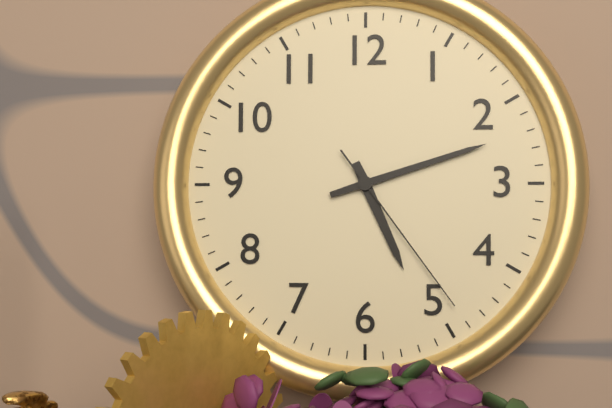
h=5 m=12 s=24
